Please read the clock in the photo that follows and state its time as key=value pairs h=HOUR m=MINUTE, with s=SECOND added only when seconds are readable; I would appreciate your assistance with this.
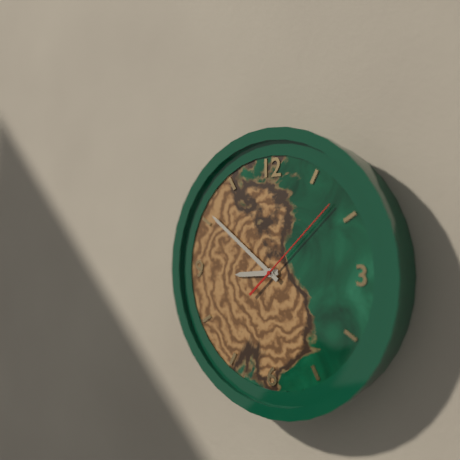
h=8 m=51 s=8
